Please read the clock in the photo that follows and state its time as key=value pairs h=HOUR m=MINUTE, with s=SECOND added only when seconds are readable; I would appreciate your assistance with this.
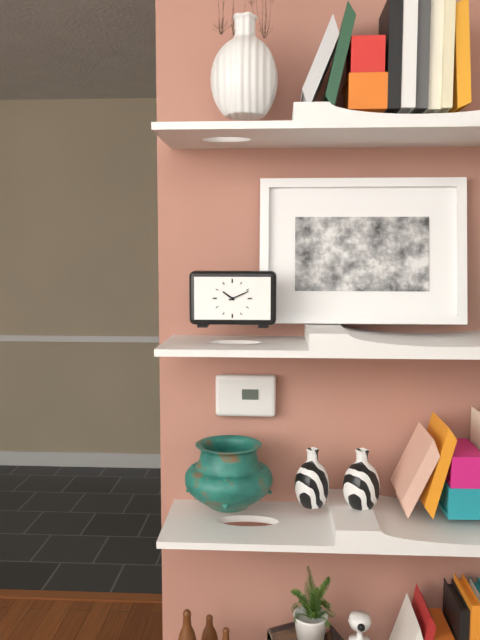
h=10 m=11
